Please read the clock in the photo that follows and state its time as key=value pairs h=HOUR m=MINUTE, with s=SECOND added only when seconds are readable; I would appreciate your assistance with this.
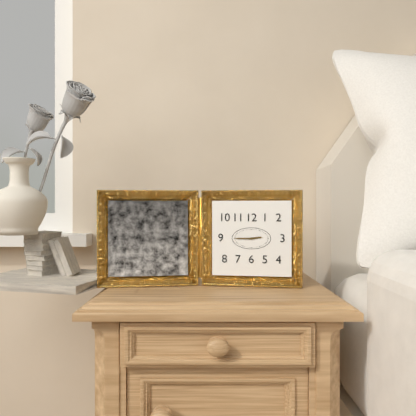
h=2 m=45
